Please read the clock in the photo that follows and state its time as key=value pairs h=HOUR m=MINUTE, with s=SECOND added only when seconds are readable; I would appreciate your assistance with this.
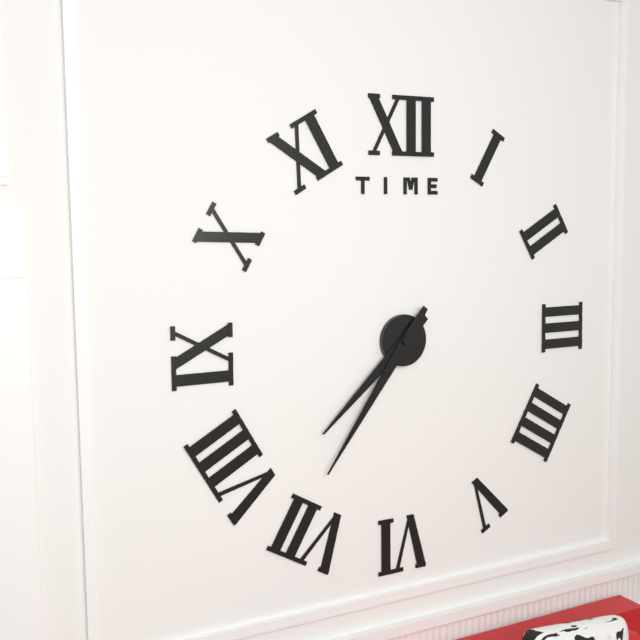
h=7 m=36
